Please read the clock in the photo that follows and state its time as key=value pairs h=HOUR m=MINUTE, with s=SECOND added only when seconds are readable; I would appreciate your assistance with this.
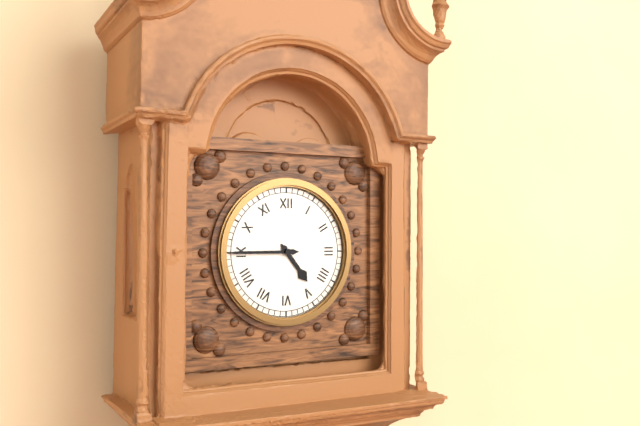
h=4 m=45
